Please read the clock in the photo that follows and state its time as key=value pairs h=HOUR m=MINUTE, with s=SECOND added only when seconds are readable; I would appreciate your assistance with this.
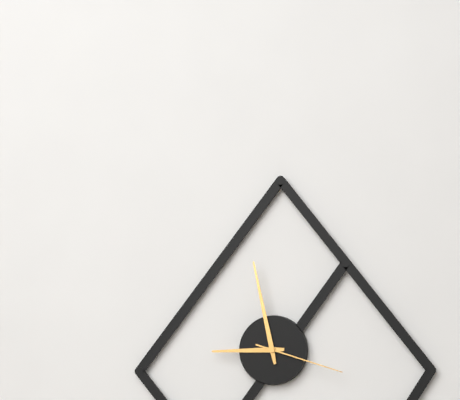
h=8 m=58 s=18
